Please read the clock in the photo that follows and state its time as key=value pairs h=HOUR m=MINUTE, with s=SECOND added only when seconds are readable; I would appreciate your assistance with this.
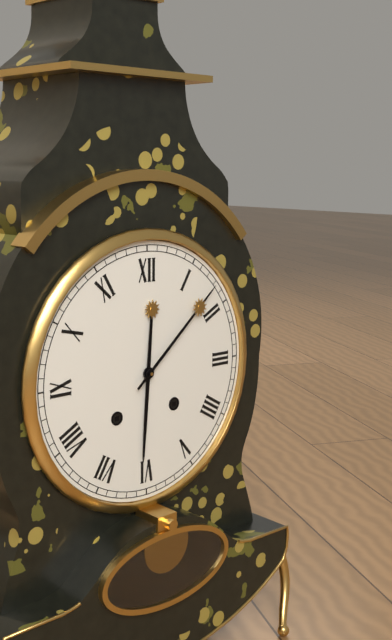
h=6 m=8
